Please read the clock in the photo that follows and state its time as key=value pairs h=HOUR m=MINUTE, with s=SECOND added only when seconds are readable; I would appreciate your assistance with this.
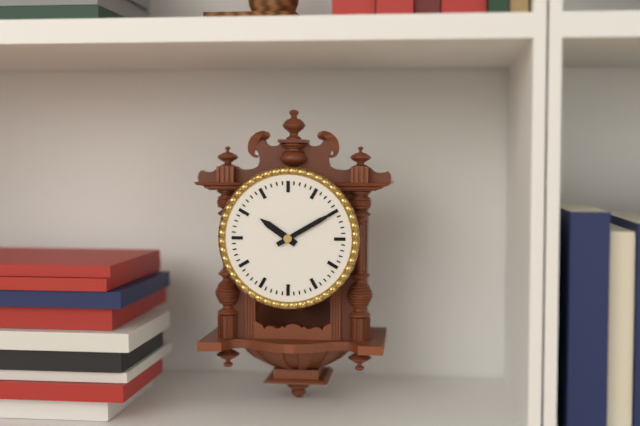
h=10 m=10
